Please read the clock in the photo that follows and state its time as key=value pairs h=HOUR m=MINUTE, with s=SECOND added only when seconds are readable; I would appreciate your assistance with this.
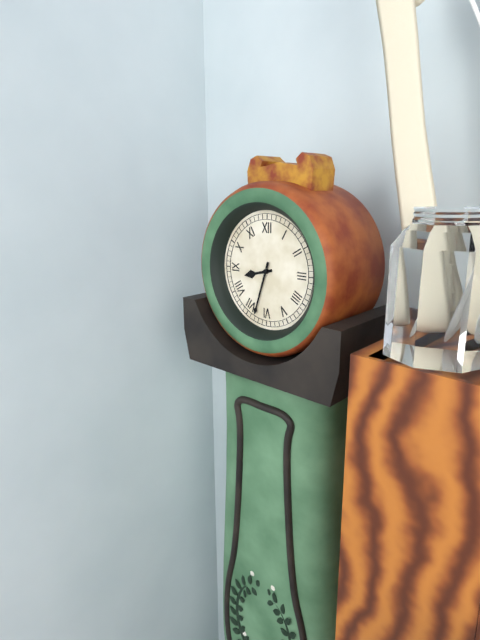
h=8 m=33
